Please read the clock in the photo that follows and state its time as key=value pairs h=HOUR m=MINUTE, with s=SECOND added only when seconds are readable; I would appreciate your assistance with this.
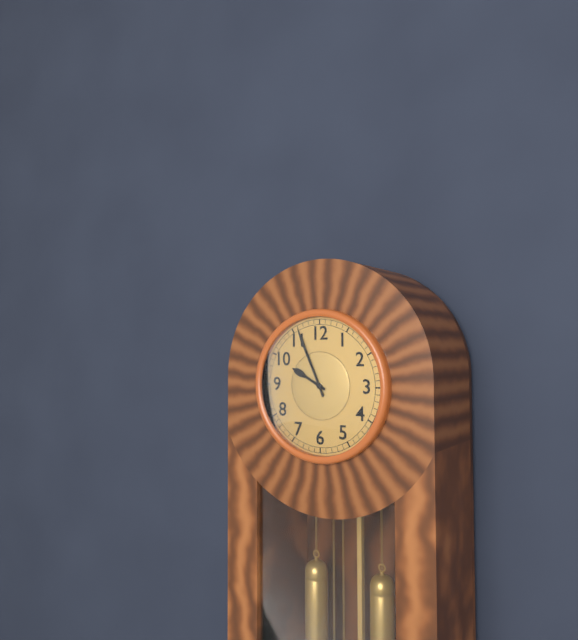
h=9 m=56
